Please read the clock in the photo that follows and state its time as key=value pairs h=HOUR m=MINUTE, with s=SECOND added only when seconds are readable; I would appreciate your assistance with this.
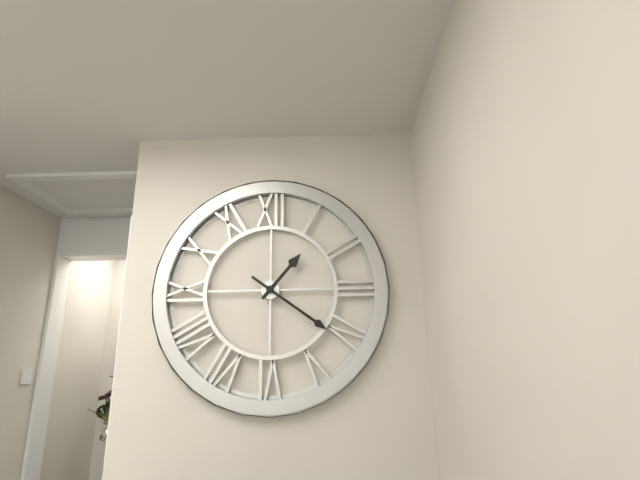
h=1 m=21
